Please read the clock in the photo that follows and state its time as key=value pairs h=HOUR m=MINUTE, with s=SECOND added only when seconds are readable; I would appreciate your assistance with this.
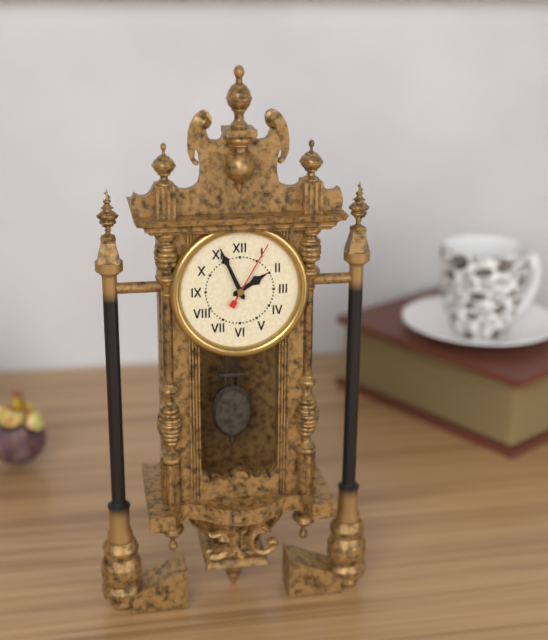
h=1 m=56 s=5
